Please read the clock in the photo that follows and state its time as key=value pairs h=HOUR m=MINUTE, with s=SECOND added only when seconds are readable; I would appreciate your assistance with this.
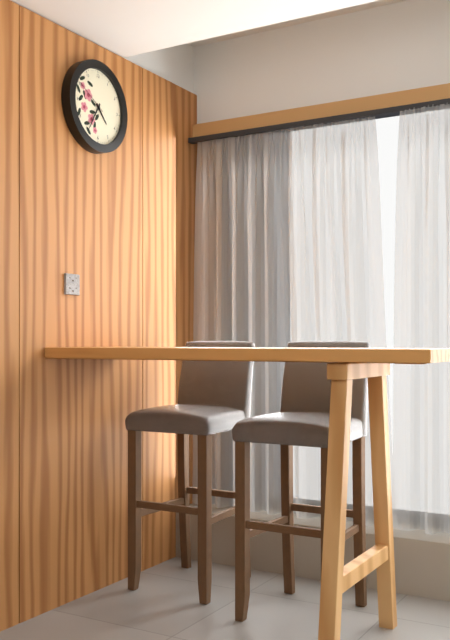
h=4 m=35
